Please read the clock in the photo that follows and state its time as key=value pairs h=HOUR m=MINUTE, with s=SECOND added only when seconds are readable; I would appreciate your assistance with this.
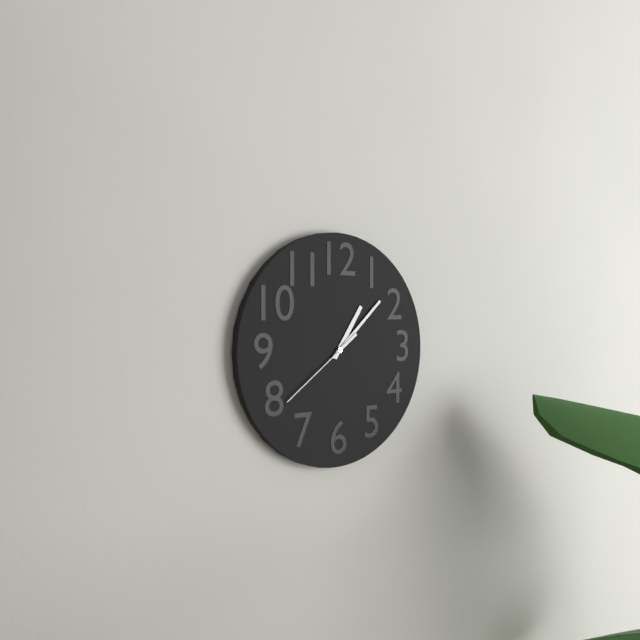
h=1 m=8 s=39
